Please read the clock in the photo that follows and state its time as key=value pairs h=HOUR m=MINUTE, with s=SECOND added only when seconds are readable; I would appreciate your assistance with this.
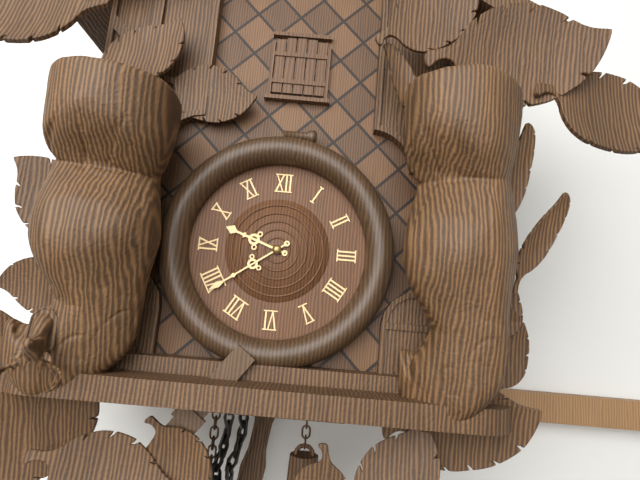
h=9 m=39
